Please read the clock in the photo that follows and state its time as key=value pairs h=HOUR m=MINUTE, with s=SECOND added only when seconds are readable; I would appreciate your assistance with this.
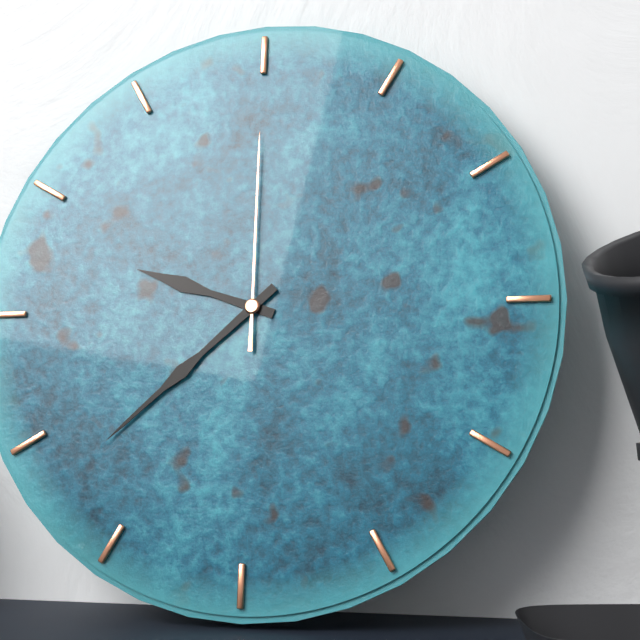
h=9 m=38 s=0
